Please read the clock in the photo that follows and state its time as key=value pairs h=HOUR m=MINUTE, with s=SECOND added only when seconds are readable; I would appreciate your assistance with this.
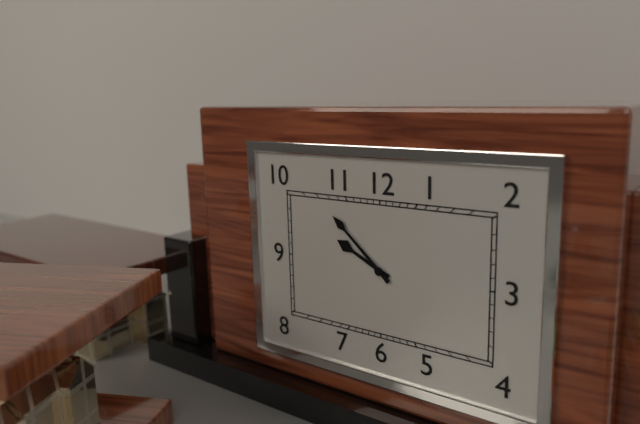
h=9 m=52
